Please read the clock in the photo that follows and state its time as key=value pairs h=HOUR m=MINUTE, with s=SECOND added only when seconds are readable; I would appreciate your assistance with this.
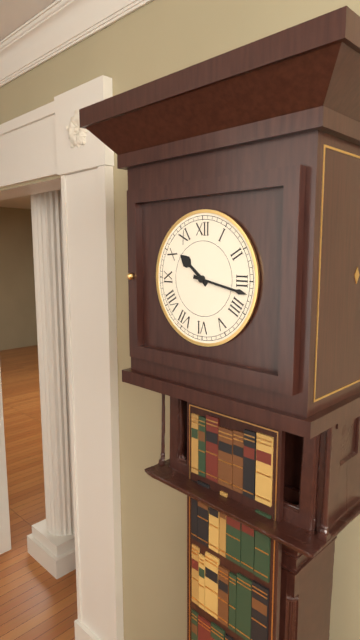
h=10 m=17
